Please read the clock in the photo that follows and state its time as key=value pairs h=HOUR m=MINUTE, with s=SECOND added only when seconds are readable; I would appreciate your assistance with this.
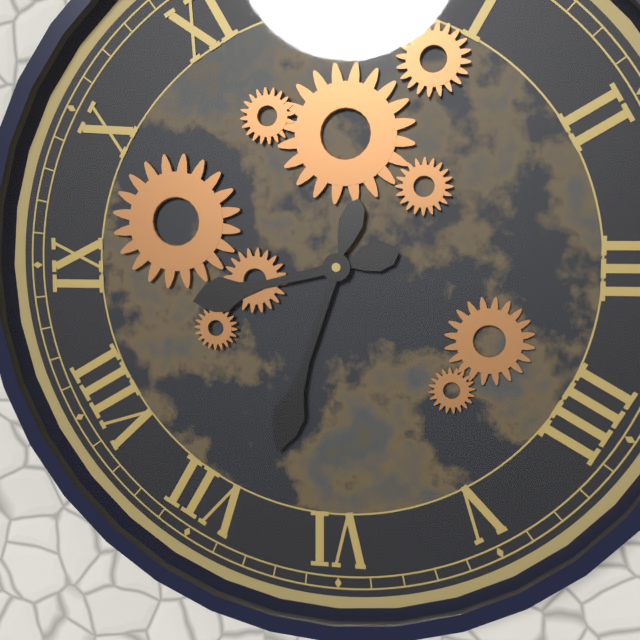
h=8 m=33
